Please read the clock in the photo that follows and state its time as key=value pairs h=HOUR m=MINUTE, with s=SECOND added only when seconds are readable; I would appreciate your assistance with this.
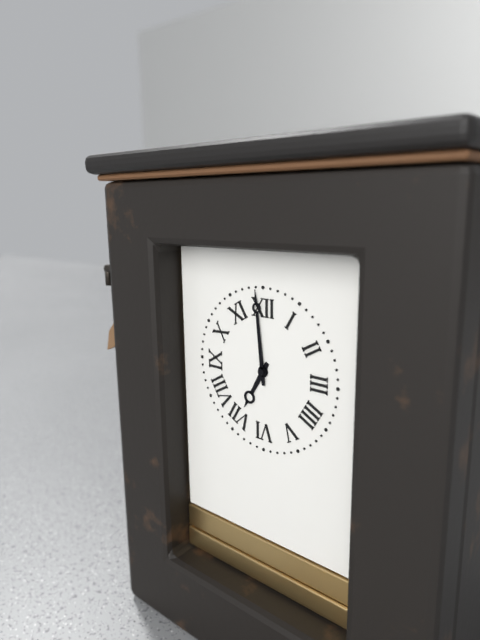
h=6 m=59
